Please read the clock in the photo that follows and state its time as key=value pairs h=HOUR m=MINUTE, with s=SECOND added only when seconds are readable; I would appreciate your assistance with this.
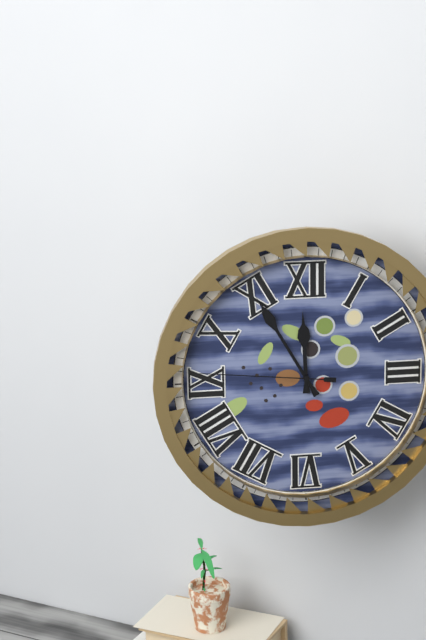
h=11 m=55 s=46
